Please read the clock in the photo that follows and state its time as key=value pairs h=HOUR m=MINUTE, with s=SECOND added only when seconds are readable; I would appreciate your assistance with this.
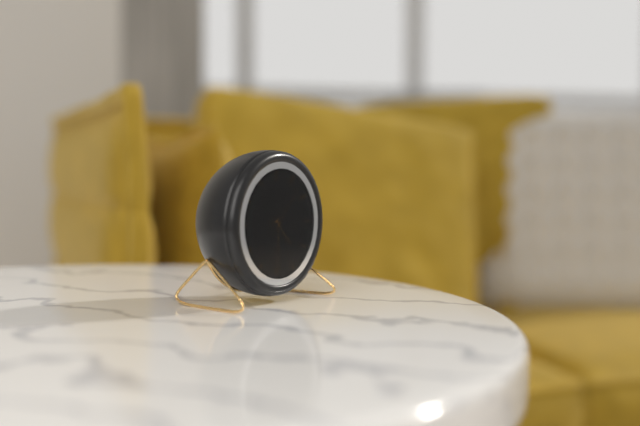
h=4 m=30 s=7
